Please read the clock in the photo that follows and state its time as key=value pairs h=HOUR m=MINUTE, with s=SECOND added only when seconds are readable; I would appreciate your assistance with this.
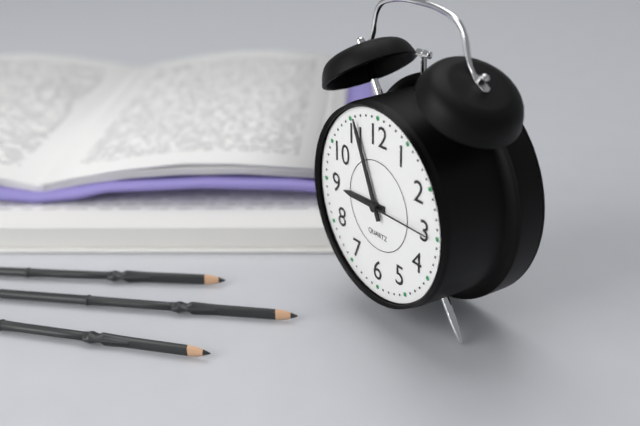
h=8 m=56 s=15
